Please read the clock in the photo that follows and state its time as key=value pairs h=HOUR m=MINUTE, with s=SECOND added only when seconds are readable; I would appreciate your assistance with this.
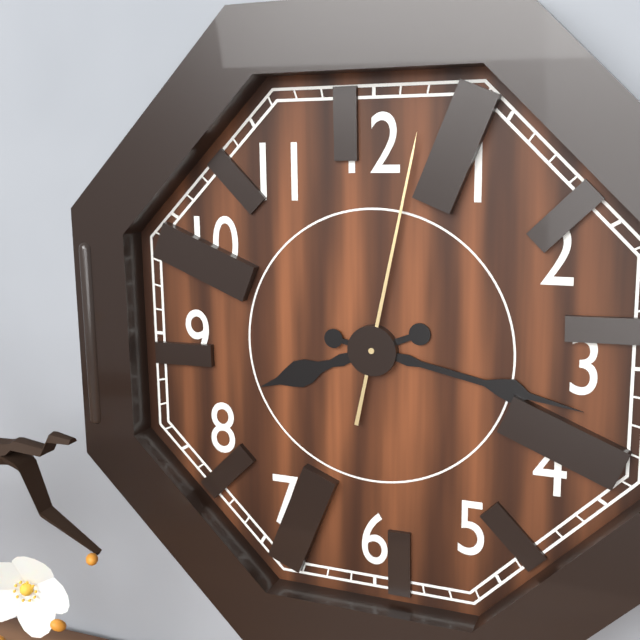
h=8 m=17 s=2
